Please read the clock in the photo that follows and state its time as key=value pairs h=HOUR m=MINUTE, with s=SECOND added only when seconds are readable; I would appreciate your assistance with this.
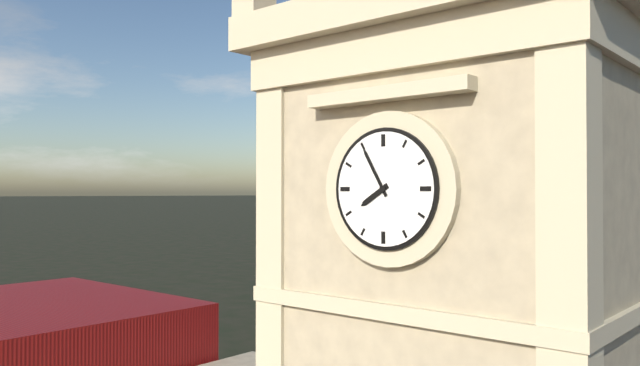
h=7 m=55
